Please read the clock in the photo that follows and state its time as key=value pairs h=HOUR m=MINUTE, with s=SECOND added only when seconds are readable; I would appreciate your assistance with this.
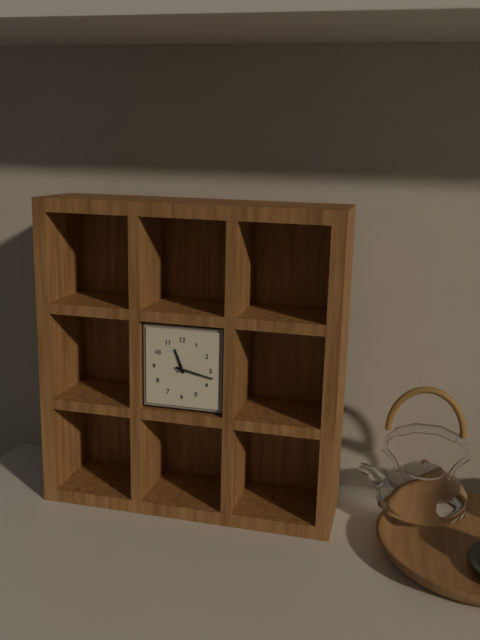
h=11 m=17
